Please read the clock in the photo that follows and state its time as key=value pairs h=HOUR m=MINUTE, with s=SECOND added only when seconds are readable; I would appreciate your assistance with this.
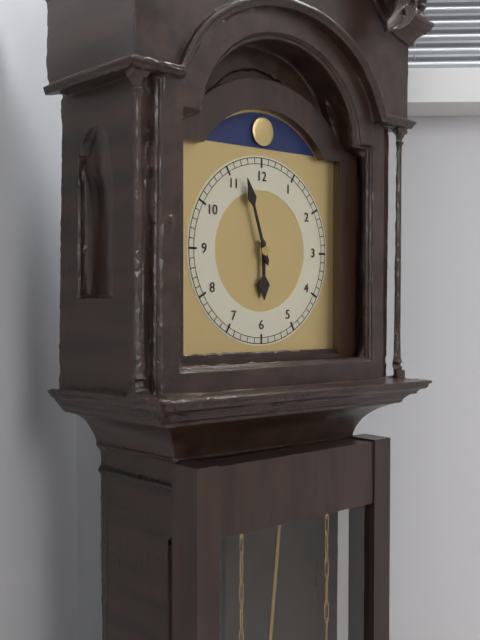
h=5 m=57
